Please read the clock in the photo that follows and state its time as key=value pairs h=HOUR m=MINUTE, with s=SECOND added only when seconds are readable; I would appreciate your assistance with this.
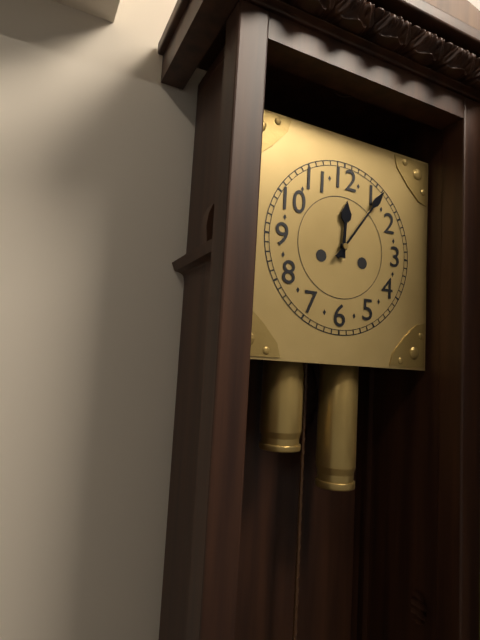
h=12 m=6
